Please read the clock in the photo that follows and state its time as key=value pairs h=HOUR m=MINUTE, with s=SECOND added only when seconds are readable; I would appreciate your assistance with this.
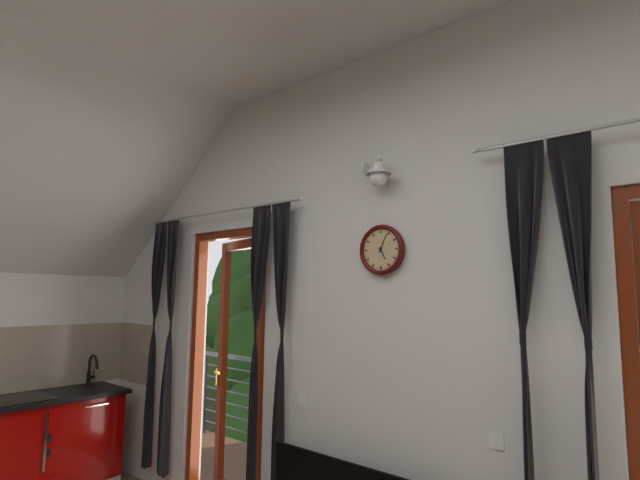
h=5 m=4
